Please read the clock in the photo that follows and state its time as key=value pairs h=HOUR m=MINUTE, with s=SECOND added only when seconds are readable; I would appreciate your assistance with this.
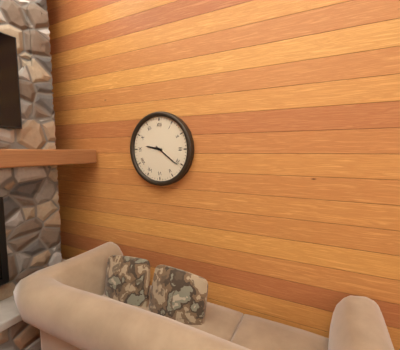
h=9 m=21
